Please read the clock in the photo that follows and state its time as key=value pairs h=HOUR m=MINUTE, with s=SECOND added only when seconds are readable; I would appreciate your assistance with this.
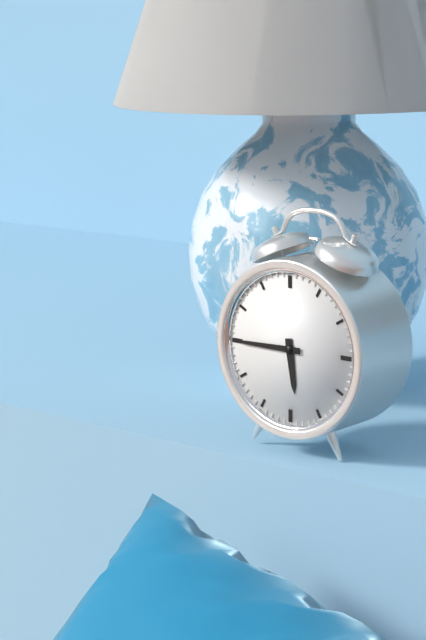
h=5 m=45
